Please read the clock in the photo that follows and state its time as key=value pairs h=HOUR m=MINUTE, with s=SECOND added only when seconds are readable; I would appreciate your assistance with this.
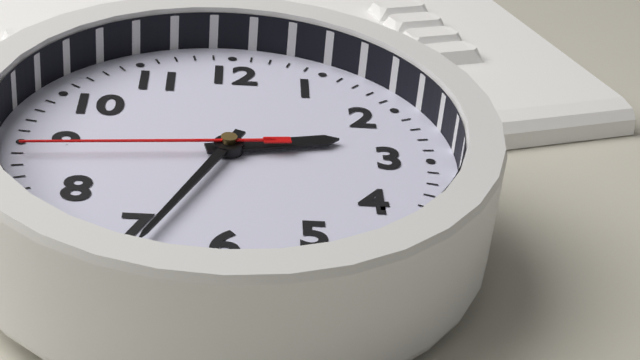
h=2 m=34 s=44
